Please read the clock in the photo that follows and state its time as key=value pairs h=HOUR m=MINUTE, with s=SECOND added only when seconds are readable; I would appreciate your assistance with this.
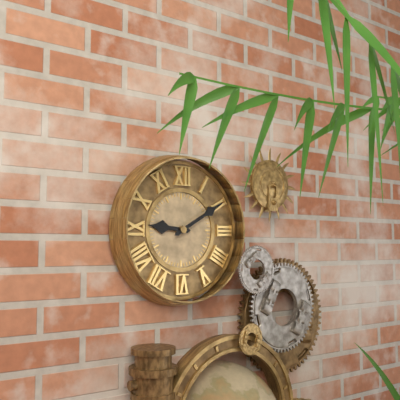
h=9 m=10
